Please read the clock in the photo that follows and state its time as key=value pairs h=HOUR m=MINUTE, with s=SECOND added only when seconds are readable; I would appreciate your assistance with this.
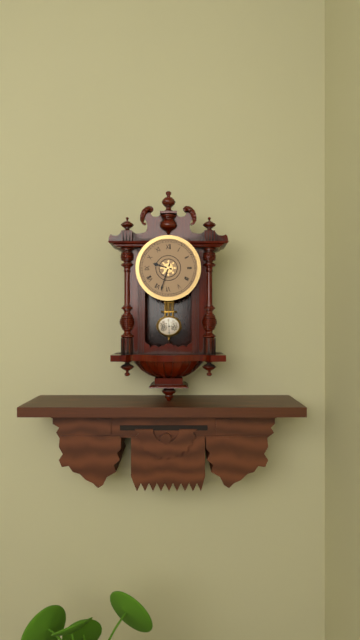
h=9 m=33
